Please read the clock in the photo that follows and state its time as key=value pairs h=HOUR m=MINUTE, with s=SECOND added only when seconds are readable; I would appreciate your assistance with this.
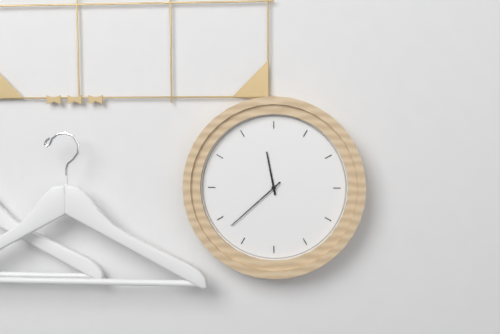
h=11 m=38
